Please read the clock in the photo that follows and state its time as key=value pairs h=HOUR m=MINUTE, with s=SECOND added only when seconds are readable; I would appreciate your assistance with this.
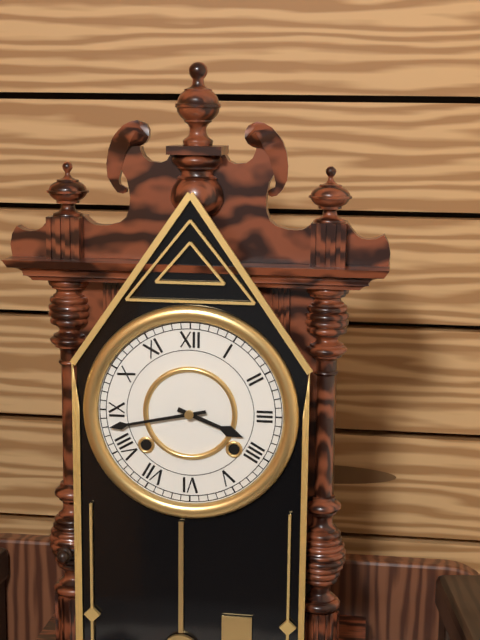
h=3 m=43
